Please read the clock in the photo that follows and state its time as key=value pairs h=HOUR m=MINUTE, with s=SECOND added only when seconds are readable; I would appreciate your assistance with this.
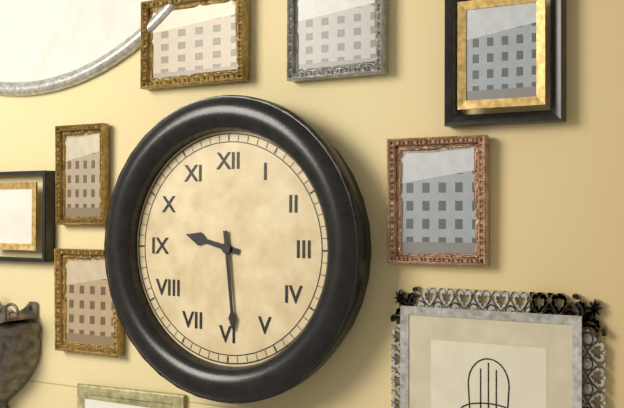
h=9 m=29
